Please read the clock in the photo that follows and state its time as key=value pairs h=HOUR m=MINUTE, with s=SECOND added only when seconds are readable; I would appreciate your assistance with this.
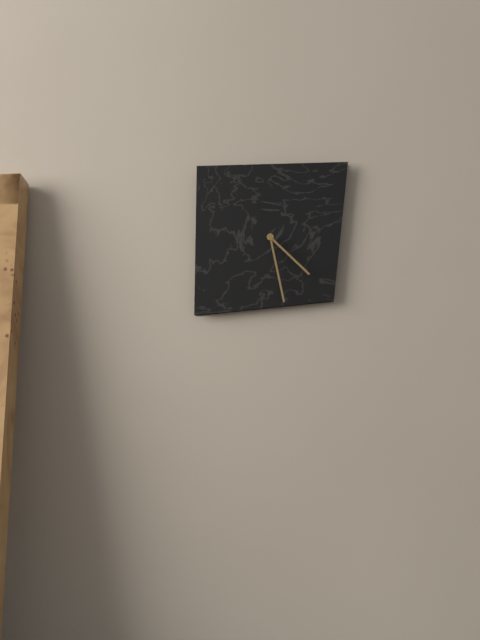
h=4 m=28
